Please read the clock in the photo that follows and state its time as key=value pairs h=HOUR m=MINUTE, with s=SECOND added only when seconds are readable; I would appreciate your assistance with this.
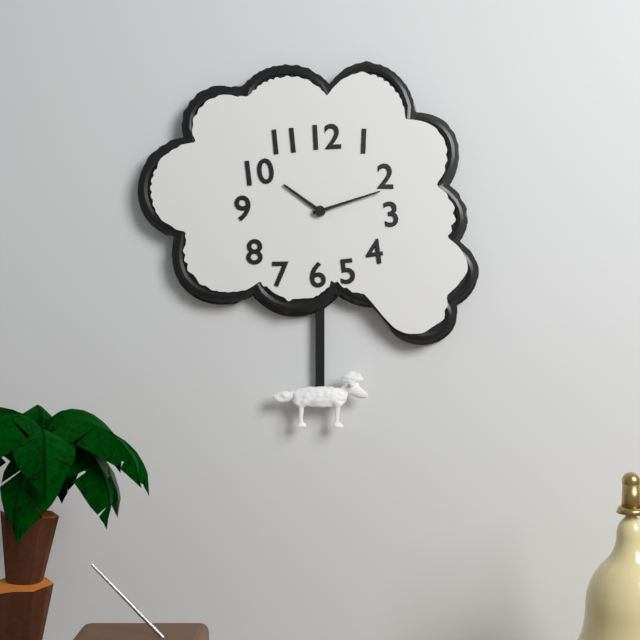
h=10 m=12
